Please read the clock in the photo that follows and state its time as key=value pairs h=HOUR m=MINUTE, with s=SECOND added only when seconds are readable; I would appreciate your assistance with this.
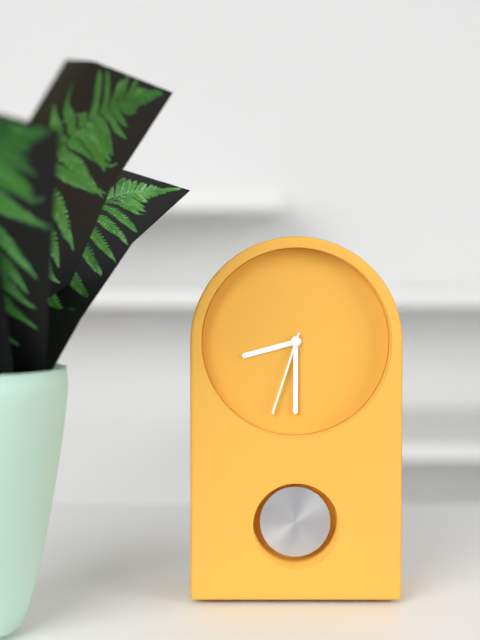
h=8 m=30 s=33
